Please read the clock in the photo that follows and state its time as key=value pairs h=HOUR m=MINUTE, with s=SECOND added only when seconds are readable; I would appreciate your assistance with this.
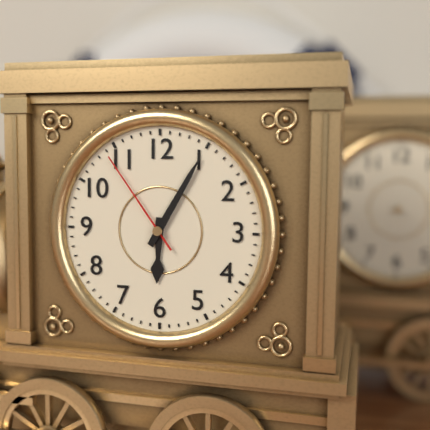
h=6 m=5 s=54
